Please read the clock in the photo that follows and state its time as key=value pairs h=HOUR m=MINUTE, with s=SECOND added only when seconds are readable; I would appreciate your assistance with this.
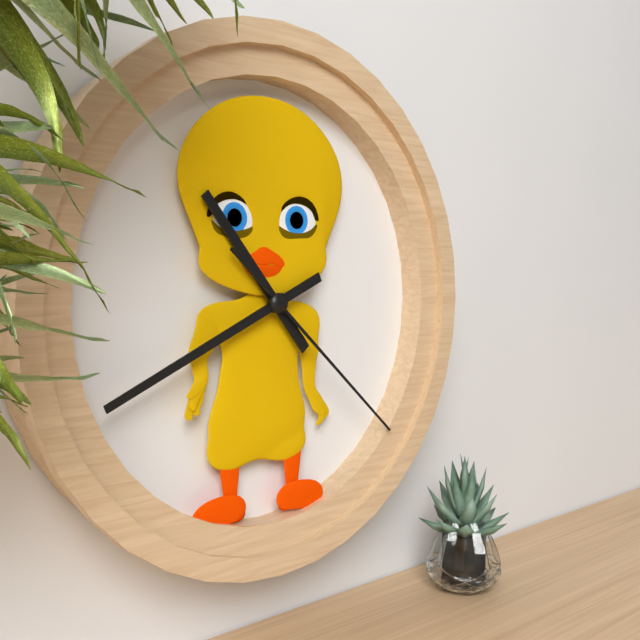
h=10 m=41 s=22
